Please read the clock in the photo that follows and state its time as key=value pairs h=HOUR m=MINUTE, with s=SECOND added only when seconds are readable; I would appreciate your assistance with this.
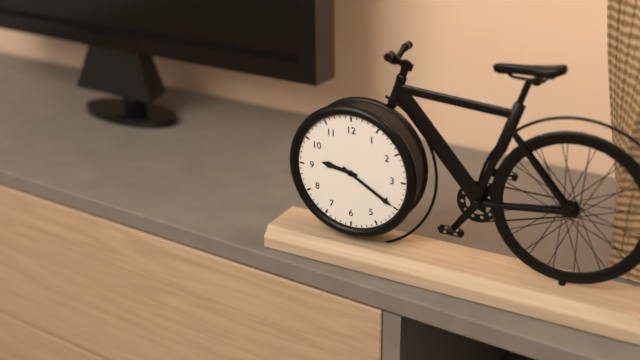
h=9 m=20
